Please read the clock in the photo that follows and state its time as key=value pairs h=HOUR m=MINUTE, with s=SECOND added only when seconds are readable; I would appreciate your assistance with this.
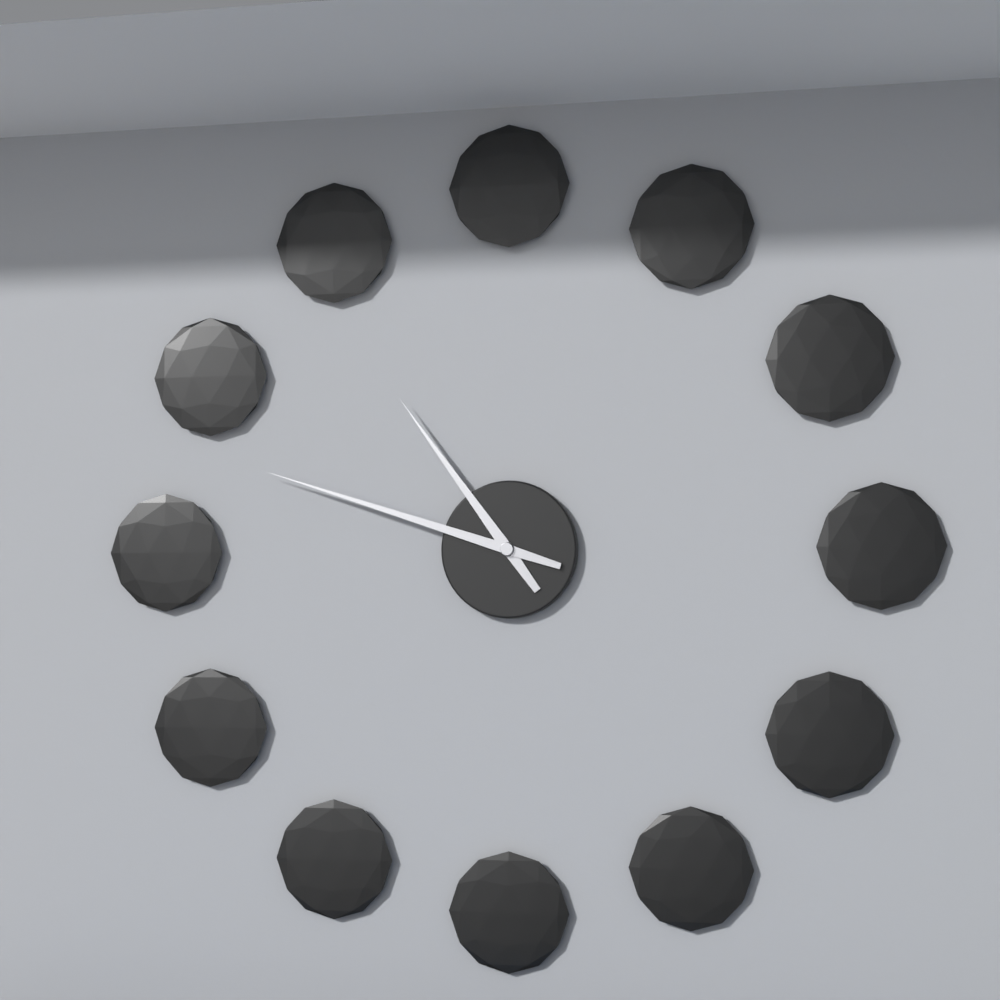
h=10 m=48
